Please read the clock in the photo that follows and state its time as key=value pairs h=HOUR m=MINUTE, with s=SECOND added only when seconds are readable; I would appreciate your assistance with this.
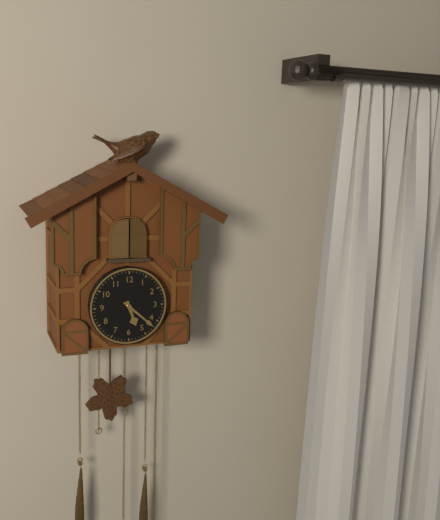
h=5 m=22
